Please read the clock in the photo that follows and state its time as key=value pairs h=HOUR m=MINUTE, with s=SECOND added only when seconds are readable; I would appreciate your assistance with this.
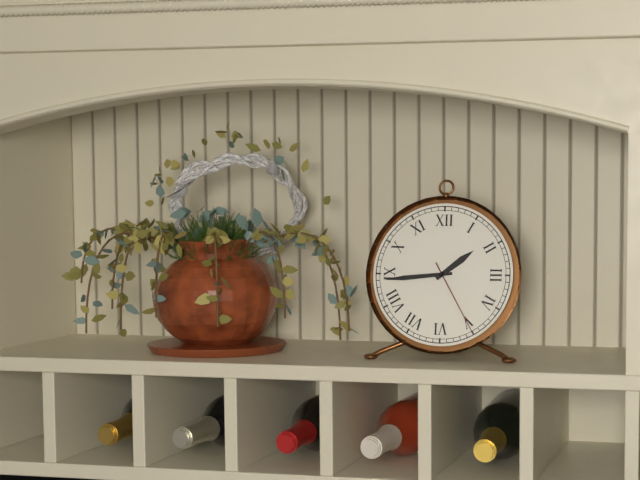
h=1 m=44 s=25
